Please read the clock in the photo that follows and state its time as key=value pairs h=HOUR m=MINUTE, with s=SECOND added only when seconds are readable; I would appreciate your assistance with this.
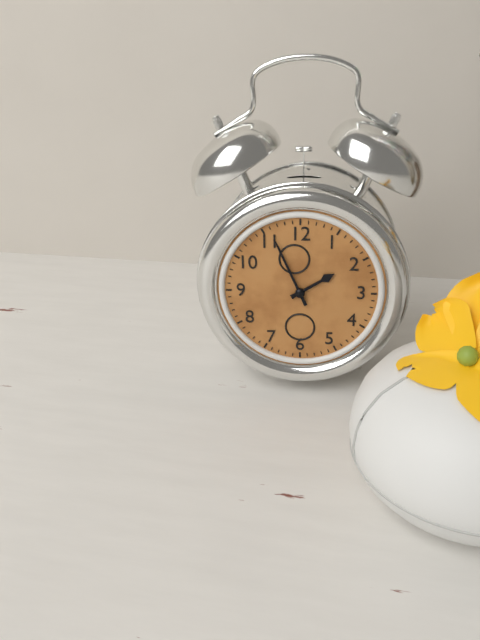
h=1 m=56
